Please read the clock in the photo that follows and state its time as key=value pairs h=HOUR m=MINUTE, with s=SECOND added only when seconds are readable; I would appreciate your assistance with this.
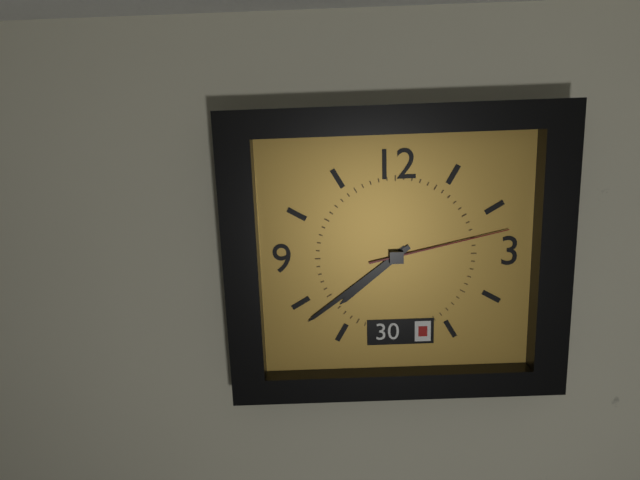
h=7 m=39 s=13
